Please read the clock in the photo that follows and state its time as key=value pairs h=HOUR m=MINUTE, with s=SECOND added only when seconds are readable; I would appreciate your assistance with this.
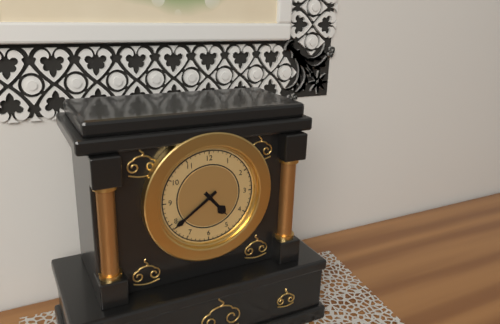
h=4 m=39
